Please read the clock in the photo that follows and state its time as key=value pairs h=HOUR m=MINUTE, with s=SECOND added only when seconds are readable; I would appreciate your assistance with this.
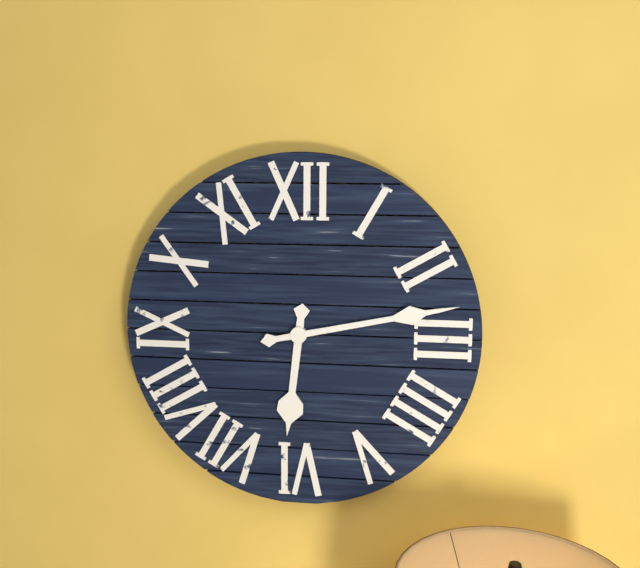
h=6 m=13
